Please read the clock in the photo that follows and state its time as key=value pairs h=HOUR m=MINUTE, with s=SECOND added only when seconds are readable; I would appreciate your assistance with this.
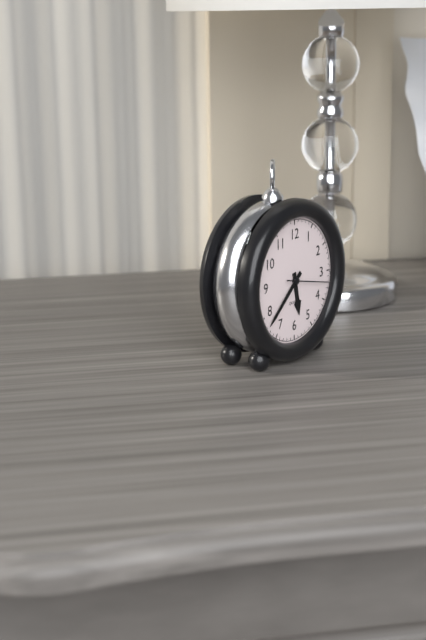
h=5 m=38
